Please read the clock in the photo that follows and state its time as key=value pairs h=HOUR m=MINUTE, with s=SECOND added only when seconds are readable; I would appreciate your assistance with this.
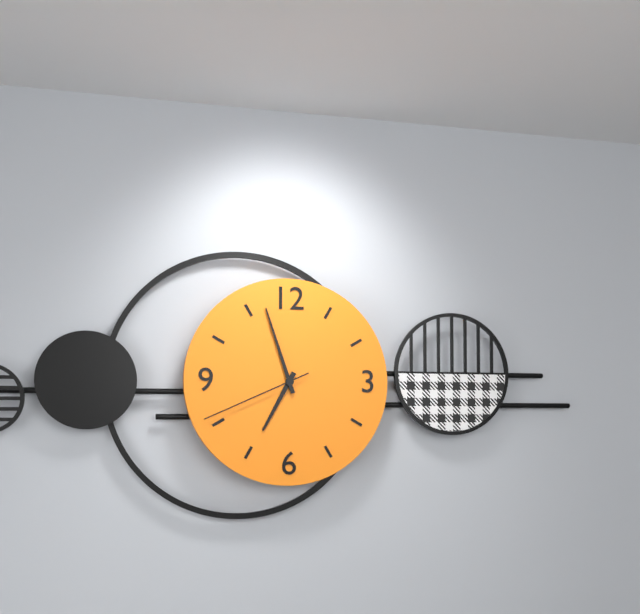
h=6 m=57 s=41
